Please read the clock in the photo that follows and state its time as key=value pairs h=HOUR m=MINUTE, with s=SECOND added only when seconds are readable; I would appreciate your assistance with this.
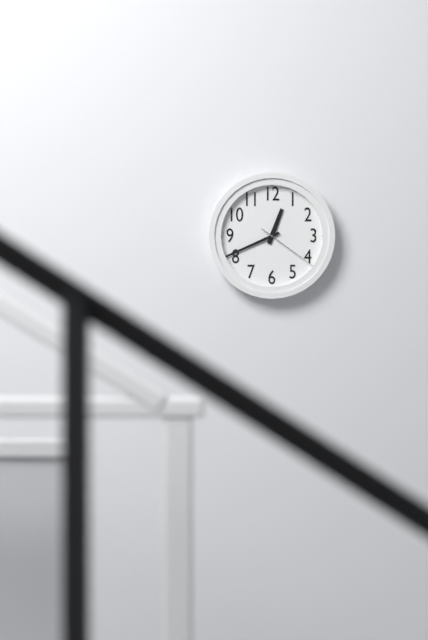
h=12 m=41 s=21
